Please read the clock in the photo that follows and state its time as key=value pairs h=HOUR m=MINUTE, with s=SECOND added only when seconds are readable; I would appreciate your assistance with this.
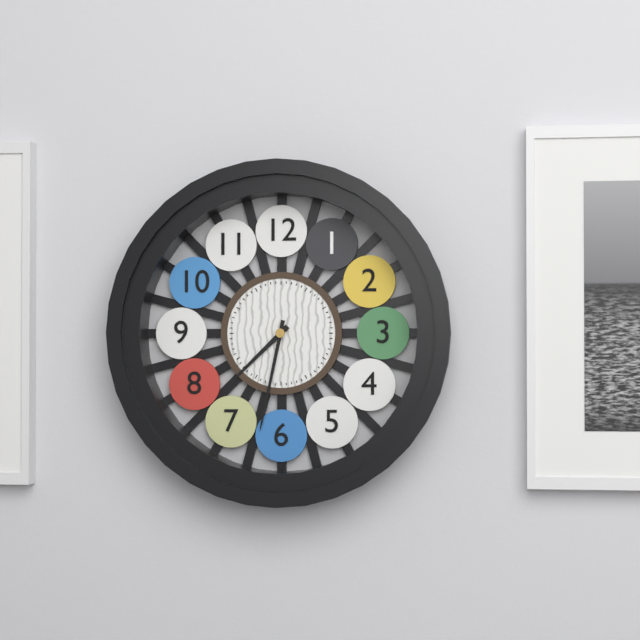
h=7 m=32
